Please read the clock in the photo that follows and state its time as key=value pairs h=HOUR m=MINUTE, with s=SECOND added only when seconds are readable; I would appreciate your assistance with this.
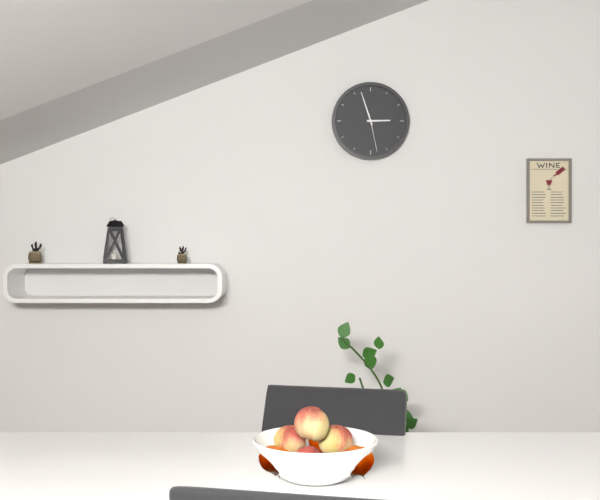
h=2 m=57
